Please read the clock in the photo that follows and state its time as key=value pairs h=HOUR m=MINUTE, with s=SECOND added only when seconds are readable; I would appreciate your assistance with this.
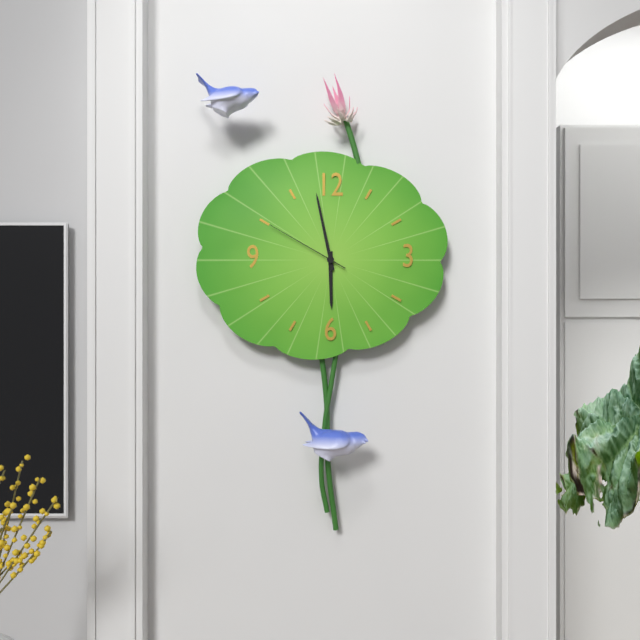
h=5 m=58 s=50
